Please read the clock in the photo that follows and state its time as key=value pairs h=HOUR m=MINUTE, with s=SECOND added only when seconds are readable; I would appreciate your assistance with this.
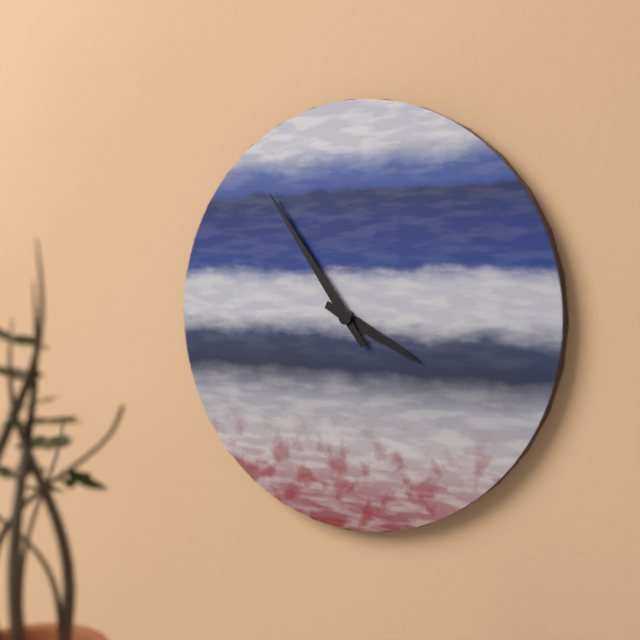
h=3 m=54
